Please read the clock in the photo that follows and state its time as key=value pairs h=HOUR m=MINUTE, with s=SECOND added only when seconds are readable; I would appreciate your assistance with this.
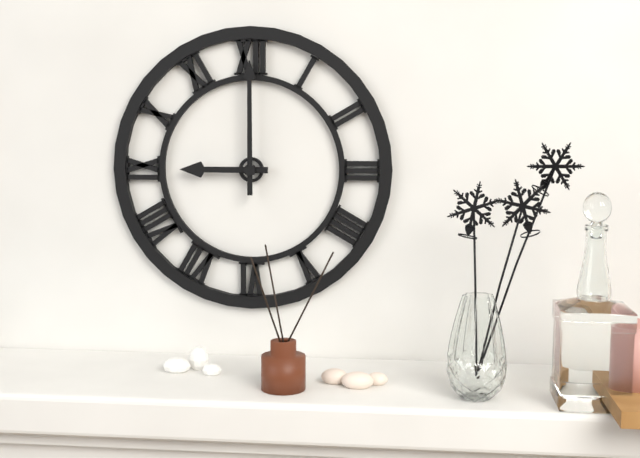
h=9 m=0
